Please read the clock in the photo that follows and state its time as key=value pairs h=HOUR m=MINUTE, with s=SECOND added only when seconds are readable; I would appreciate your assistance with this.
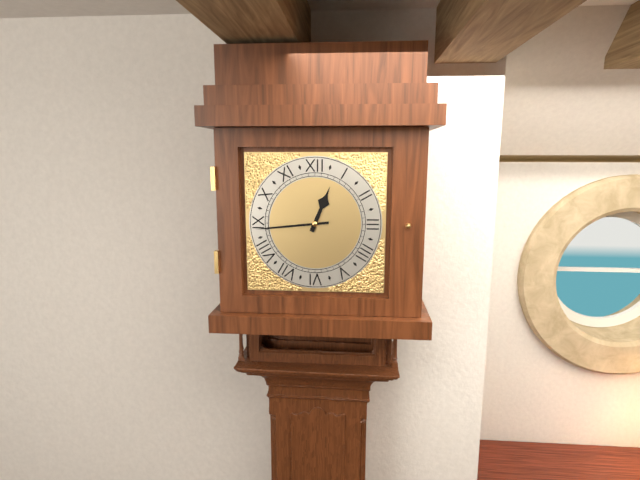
h=12 m=44
